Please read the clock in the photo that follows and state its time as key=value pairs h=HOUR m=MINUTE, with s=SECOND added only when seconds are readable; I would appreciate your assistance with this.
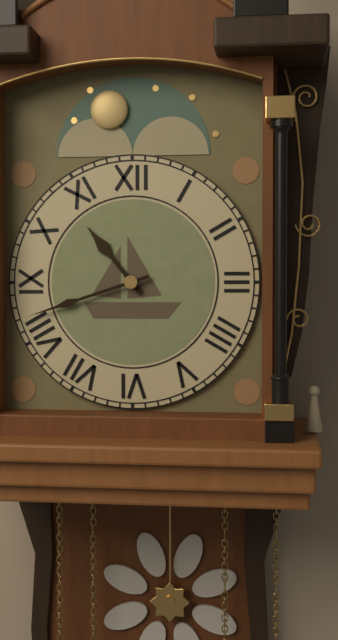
h=10 m=42
